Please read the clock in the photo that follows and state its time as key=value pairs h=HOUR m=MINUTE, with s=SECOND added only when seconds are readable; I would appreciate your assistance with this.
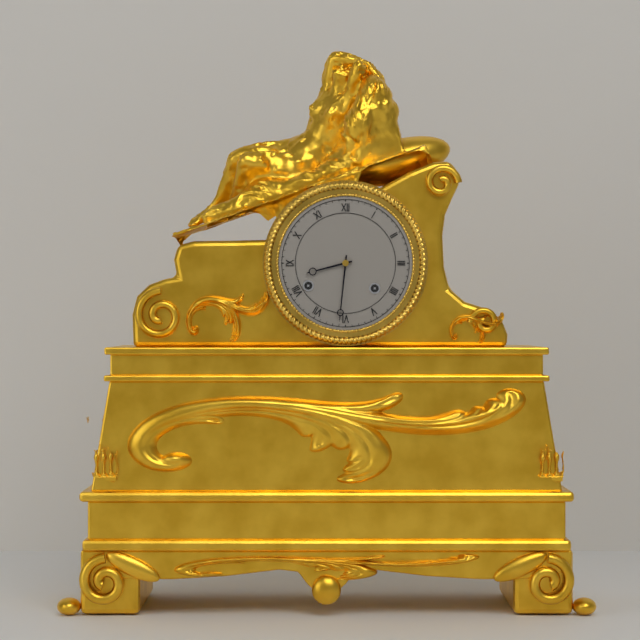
h=8 m=31
